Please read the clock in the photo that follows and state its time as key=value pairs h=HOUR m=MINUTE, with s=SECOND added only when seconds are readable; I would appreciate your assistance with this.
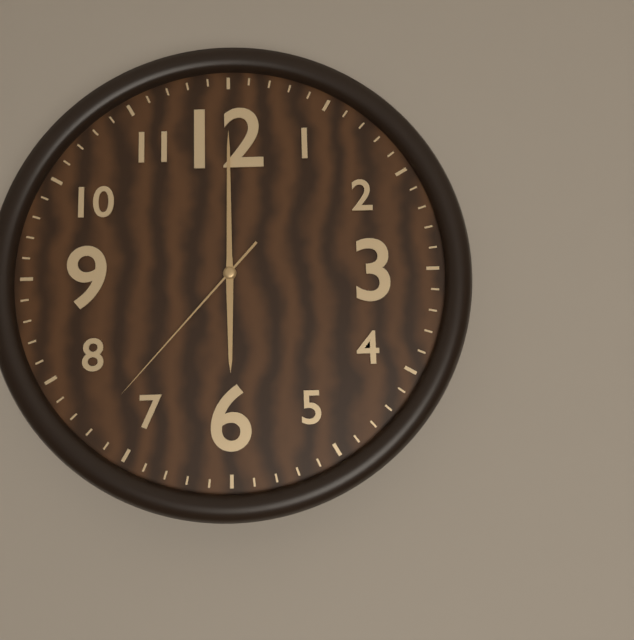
h=6 m=0 s=37
